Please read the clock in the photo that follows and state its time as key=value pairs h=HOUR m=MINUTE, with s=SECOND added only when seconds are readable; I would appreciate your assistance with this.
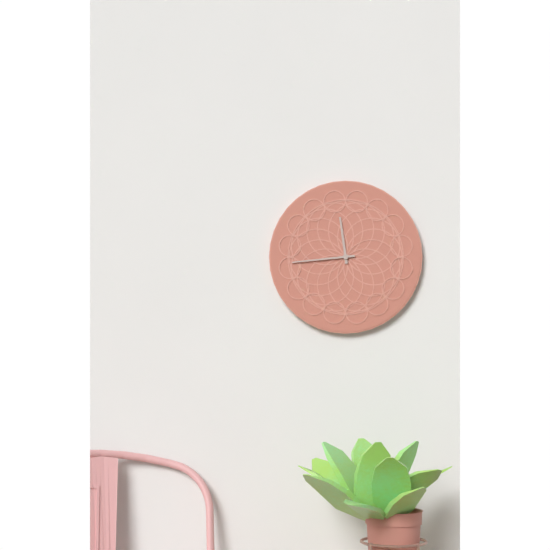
h=11 m=44
